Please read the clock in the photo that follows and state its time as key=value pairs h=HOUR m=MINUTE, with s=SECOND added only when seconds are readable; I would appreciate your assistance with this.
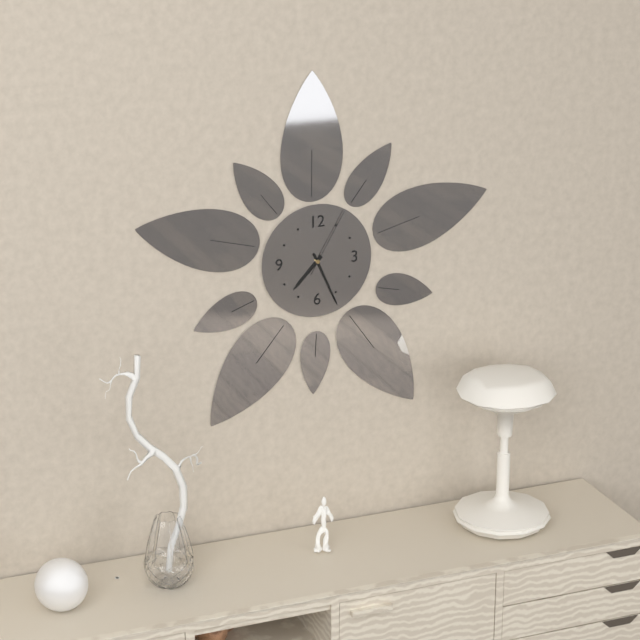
h=7 m=26 s=5
